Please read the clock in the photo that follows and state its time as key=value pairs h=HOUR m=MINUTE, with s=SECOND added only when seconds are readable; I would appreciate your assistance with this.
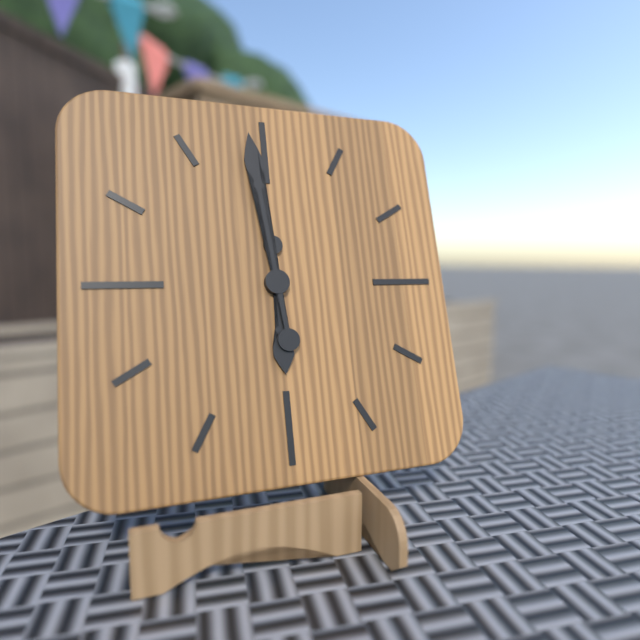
h=5 m=59
